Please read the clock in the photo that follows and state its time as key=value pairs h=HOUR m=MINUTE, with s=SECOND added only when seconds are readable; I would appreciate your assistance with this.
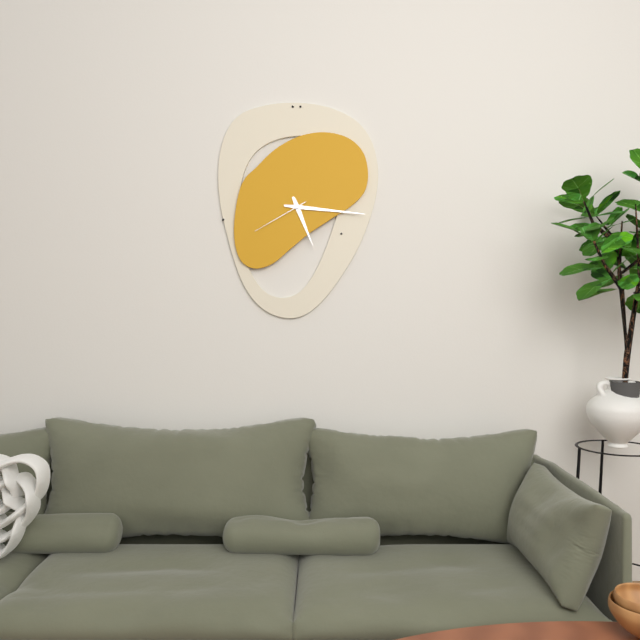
h=5 m=16 s=40
